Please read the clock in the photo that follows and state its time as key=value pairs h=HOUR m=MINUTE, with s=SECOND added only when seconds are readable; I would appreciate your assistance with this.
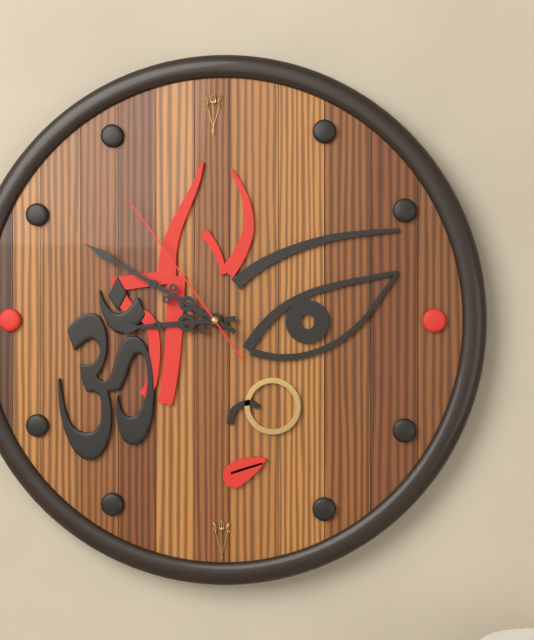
h=8 m=50 s=54
